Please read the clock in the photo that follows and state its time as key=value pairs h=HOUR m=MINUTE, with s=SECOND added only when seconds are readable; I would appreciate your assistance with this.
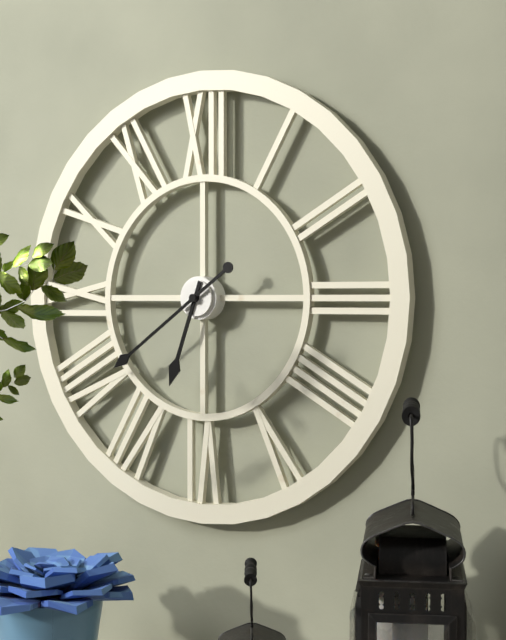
h=6 m=39
